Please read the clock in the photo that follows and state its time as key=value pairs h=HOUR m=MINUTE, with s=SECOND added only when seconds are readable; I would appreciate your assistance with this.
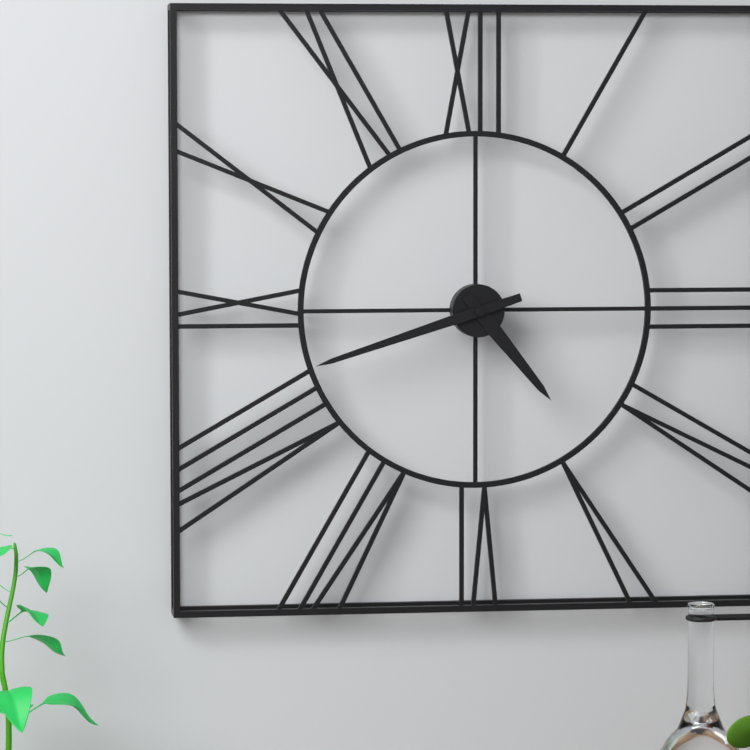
h=4 m=42
